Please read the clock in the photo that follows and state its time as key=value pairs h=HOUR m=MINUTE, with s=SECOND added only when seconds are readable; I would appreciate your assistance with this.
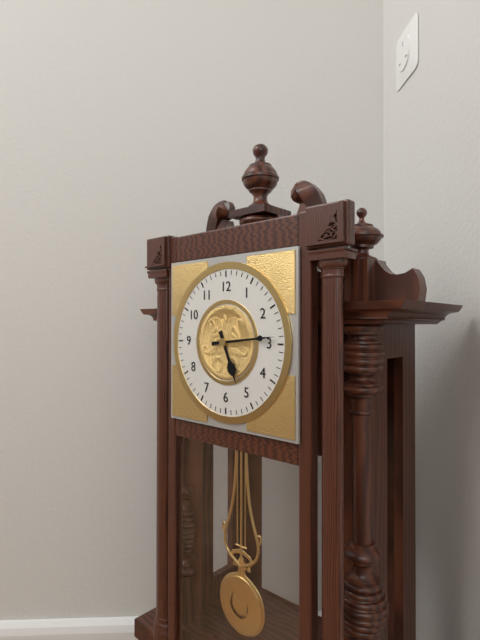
h=5 m=14
